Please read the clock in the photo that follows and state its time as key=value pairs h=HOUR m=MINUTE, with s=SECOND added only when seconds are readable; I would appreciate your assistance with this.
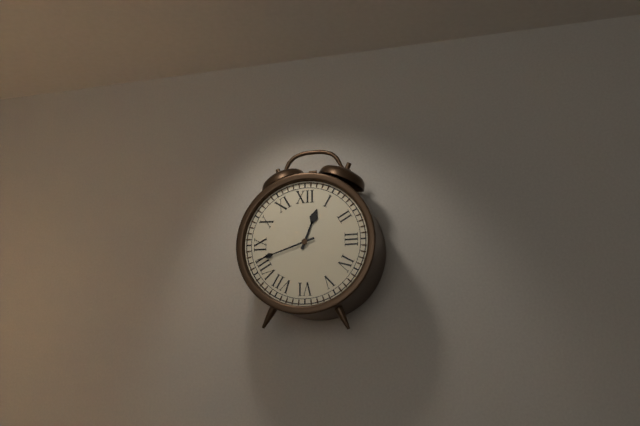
h=12 m=42
